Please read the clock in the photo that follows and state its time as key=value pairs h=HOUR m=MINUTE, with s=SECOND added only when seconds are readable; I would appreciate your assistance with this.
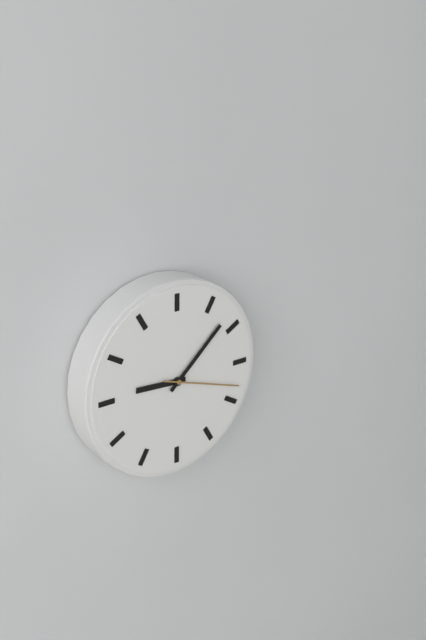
h=9 m=8 s=18
